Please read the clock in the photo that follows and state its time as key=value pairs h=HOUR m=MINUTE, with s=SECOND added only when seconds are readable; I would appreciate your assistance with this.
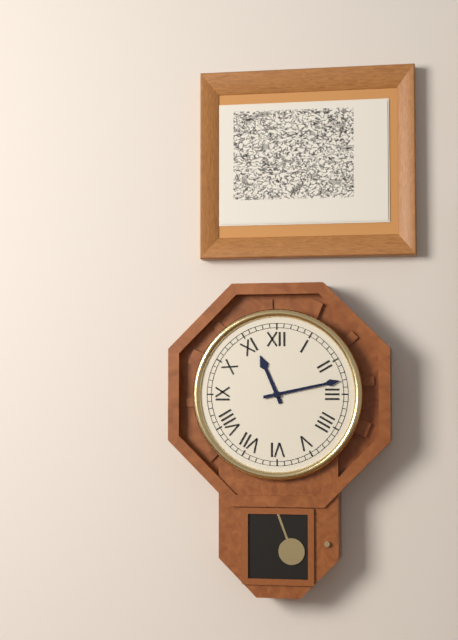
h=11 m=13
